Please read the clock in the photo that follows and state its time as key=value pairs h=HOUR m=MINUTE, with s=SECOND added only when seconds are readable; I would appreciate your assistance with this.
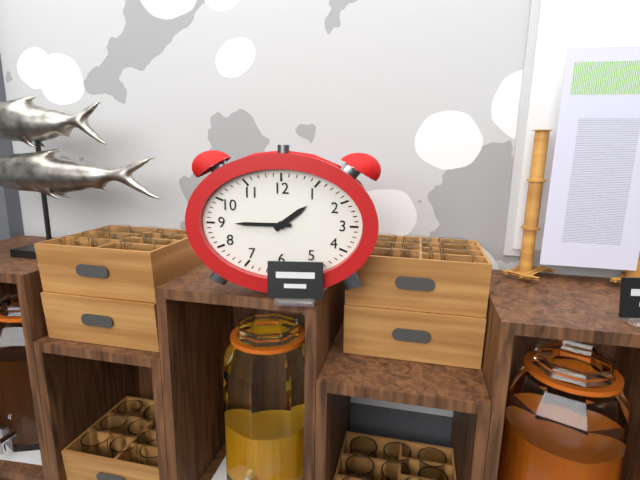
h=1 m=45
